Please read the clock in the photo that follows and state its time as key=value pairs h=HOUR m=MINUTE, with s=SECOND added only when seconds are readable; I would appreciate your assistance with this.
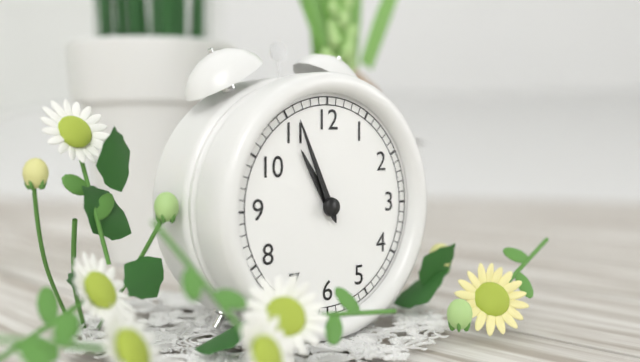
h=10 m=56
